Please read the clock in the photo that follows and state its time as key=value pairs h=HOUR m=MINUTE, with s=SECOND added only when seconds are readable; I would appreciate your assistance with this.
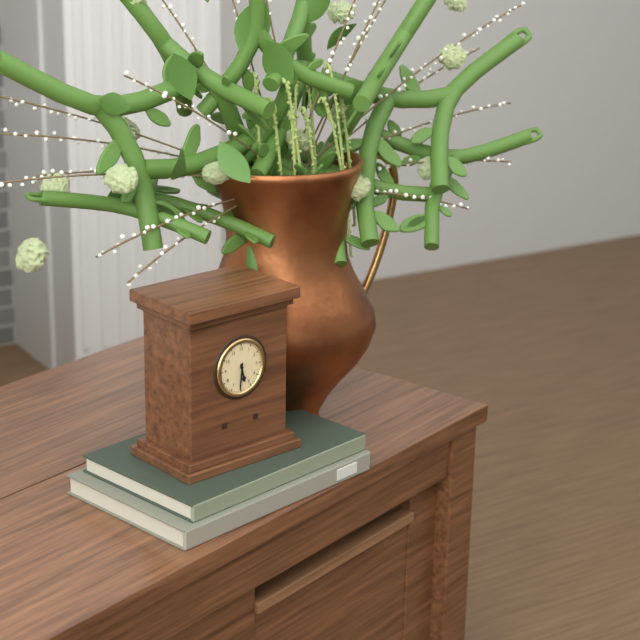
h=5 m=31
